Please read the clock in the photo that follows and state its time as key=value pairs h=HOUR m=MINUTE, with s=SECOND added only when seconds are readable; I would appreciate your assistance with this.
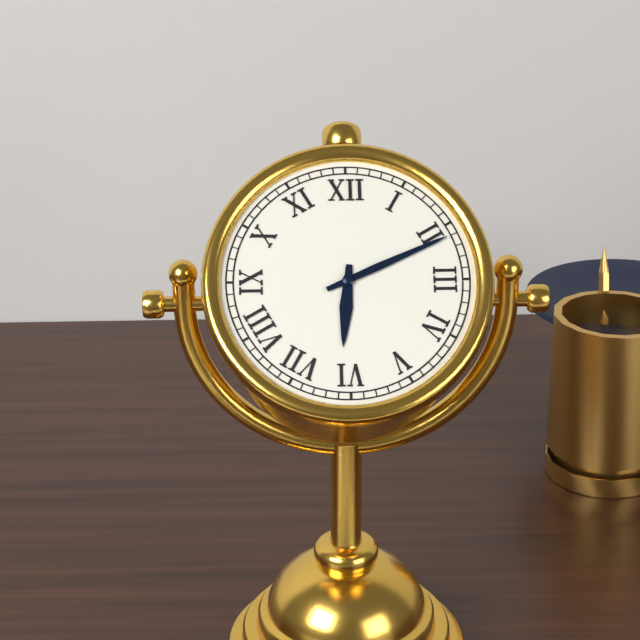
h=6 m=11
